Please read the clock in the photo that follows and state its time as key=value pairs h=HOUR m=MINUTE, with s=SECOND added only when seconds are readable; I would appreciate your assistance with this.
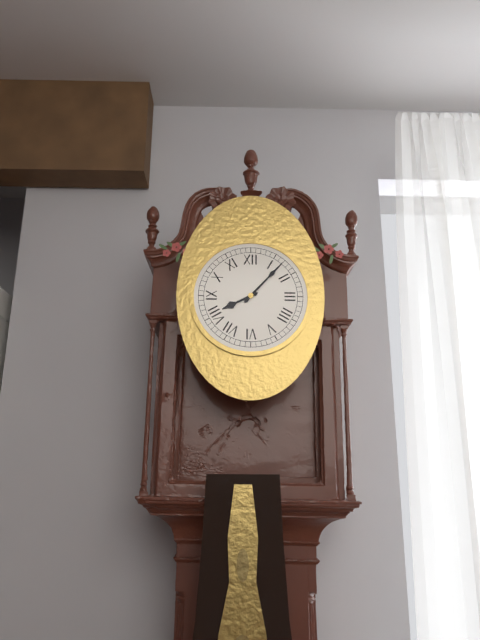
h=8 m=7
